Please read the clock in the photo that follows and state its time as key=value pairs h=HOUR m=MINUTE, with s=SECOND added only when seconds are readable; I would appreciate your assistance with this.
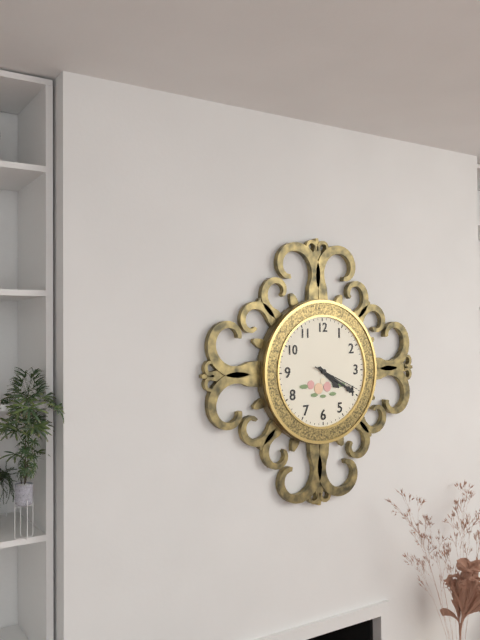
h=4 m=20
